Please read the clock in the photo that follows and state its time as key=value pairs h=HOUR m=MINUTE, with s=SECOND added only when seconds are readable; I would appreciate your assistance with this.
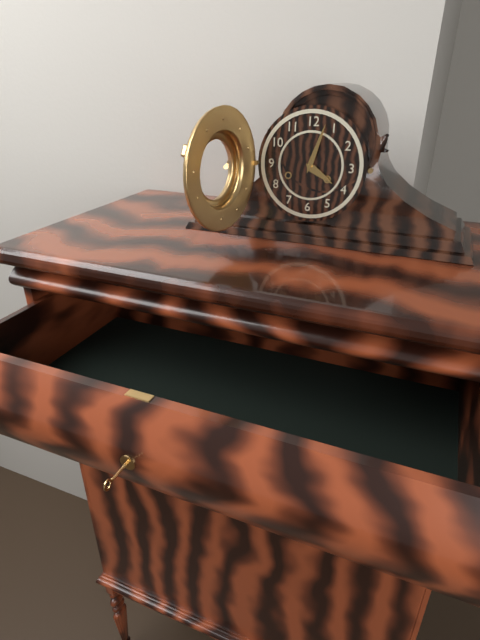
h=4 m=3
